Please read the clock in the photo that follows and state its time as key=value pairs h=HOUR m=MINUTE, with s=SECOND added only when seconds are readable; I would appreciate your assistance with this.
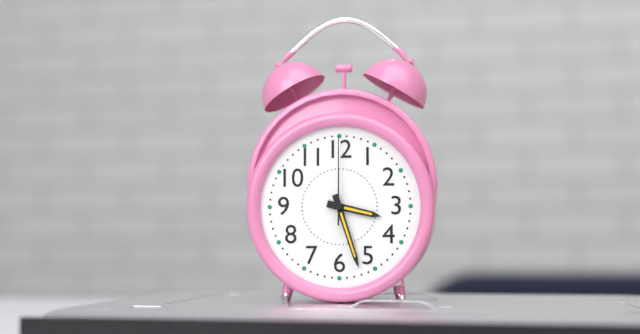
h=3 m=27 s=0
